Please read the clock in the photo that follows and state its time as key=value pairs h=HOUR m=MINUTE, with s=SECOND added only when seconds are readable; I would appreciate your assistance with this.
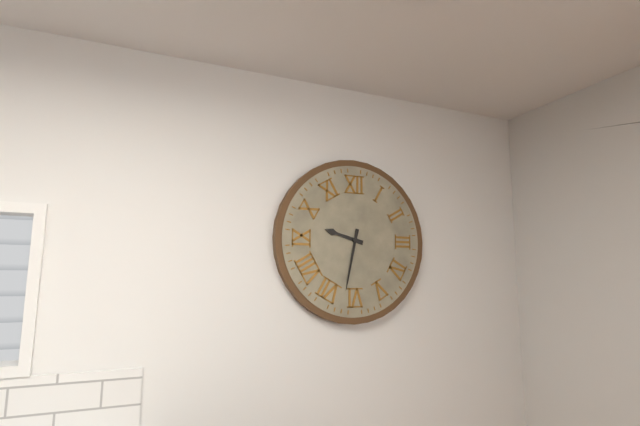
h=9 m=32
